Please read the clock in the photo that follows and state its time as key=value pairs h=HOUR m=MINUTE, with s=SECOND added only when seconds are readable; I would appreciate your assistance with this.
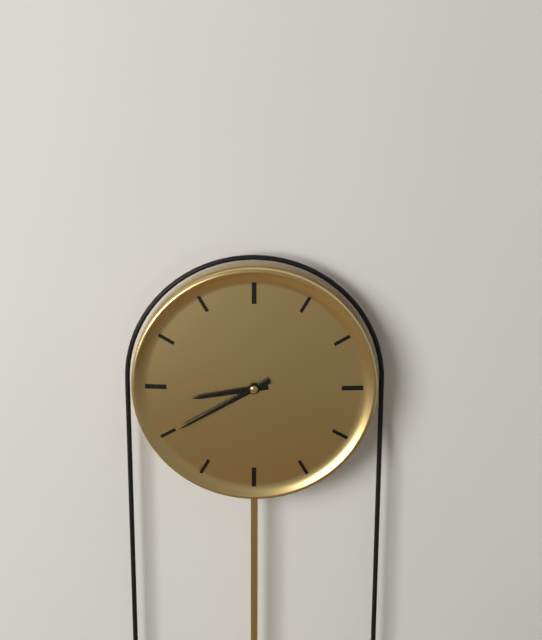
h=8 m=40
